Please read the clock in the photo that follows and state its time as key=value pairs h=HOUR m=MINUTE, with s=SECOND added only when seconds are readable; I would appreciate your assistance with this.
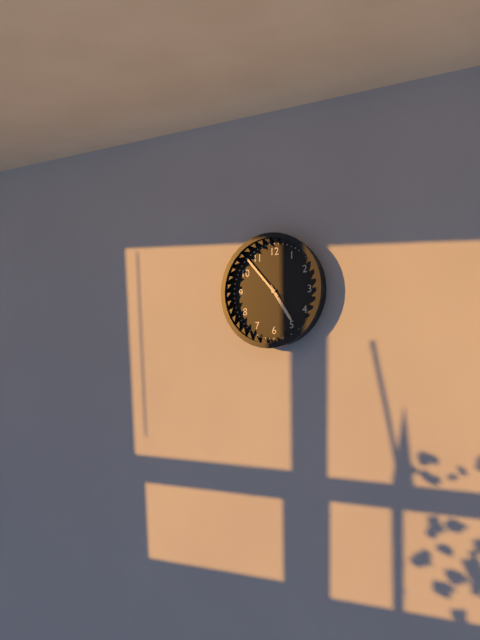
h=4 m=53
